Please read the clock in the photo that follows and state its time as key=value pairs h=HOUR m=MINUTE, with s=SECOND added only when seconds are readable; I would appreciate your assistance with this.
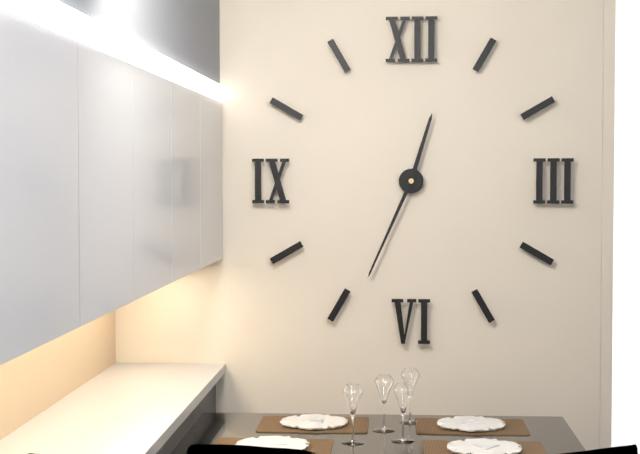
h=12 m=34
